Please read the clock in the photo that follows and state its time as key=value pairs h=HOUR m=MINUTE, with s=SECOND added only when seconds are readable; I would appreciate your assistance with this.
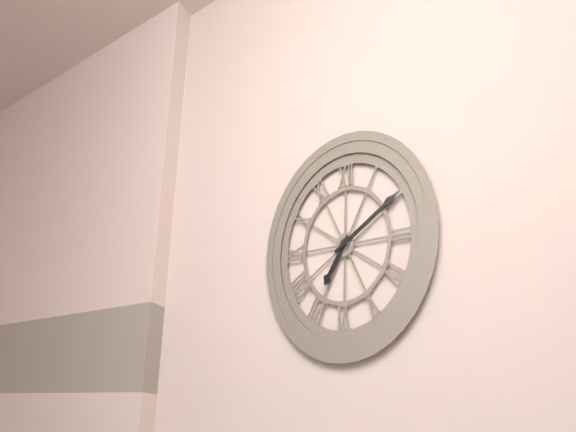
h=7 m=10
